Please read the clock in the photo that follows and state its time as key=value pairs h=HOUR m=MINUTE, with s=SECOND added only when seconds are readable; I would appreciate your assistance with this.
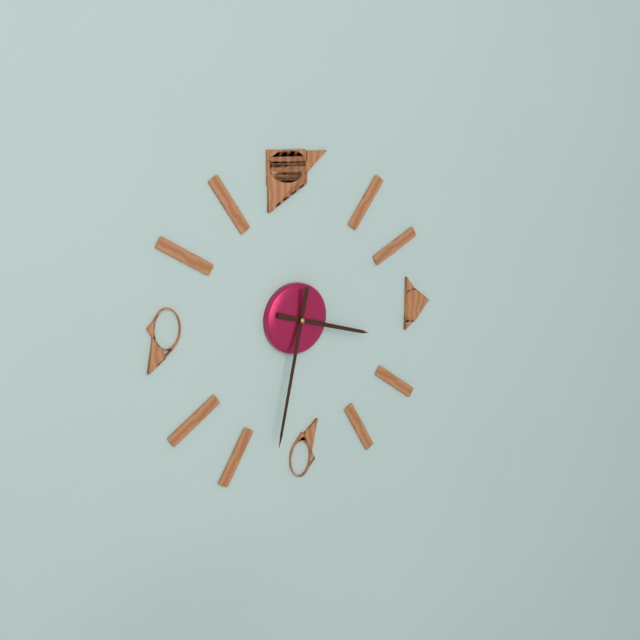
h=3 m=32
